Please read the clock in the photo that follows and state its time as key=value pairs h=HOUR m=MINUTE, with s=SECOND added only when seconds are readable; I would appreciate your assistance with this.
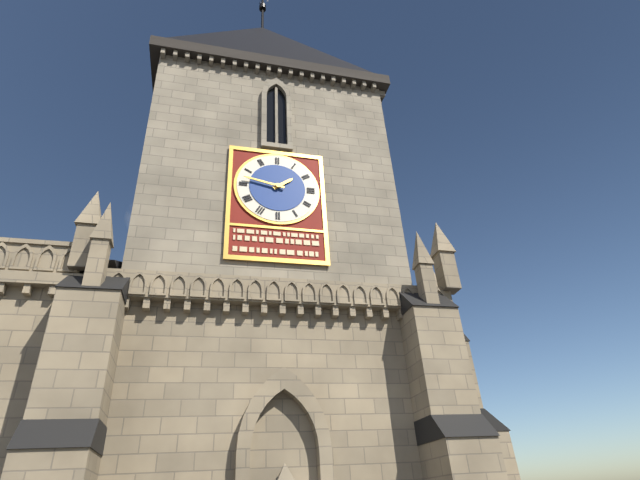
h=1 m=47
